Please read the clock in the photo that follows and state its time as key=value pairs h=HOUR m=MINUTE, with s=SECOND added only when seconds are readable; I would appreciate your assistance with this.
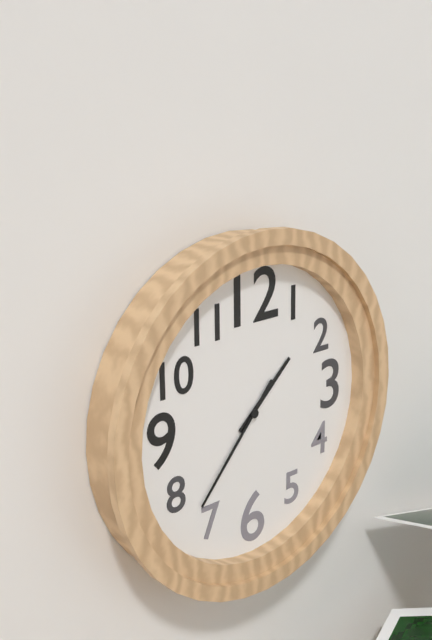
h=1 m=37
